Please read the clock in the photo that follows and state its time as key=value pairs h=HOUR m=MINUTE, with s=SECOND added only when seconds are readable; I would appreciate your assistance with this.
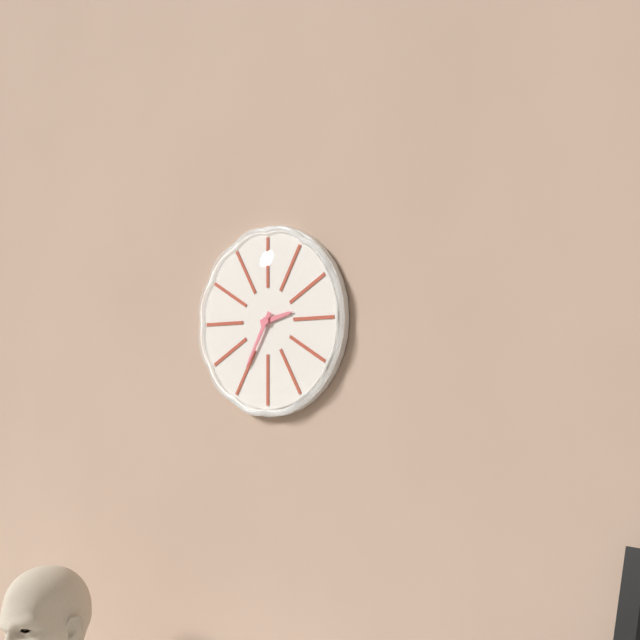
h=2 m=35
